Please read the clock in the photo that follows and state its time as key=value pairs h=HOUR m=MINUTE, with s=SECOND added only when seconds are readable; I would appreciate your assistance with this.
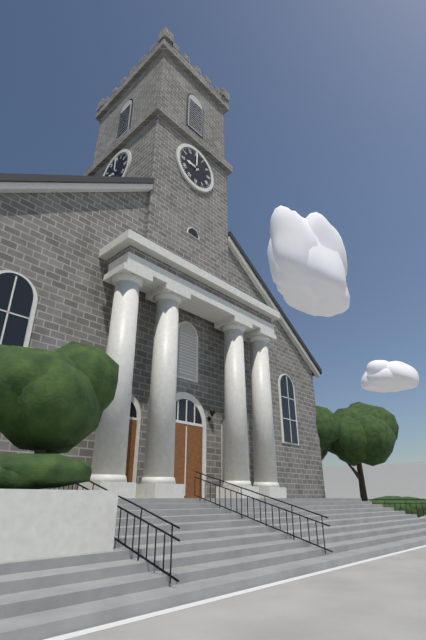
h=9 m=0
